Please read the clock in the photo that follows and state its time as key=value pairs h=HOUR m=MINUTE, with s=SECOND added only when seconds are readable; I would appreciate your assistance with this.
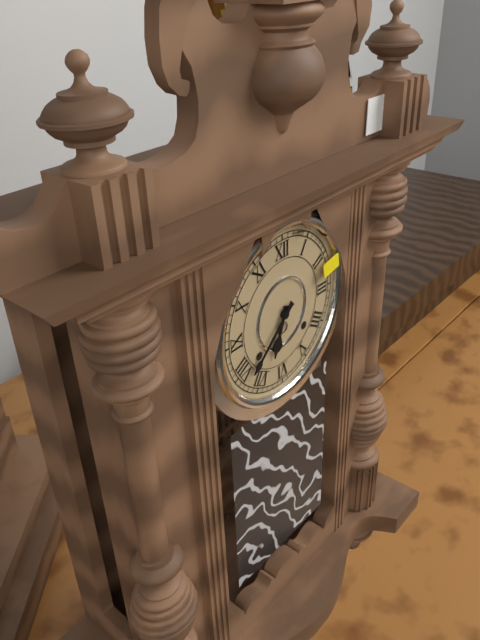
h=6 m=38
